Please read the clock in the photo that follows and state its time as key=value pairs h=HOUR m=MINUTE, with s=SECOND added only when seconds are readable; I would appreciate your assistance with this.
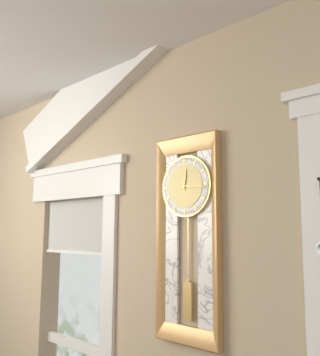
h=12 m=16
